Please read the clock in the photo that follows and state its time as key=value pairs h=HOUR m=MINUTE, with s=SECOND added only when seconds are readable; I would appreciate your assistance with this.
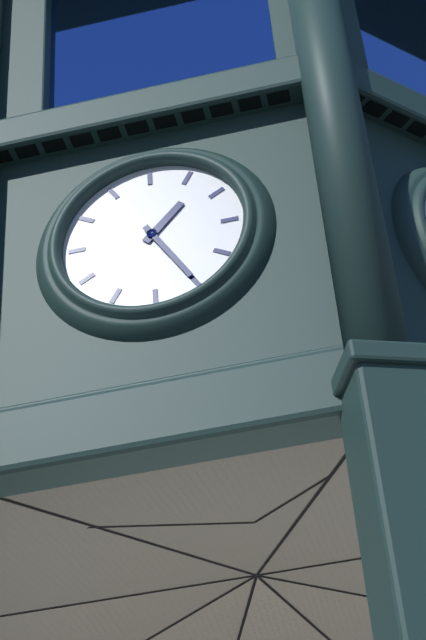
h=1 m=25
